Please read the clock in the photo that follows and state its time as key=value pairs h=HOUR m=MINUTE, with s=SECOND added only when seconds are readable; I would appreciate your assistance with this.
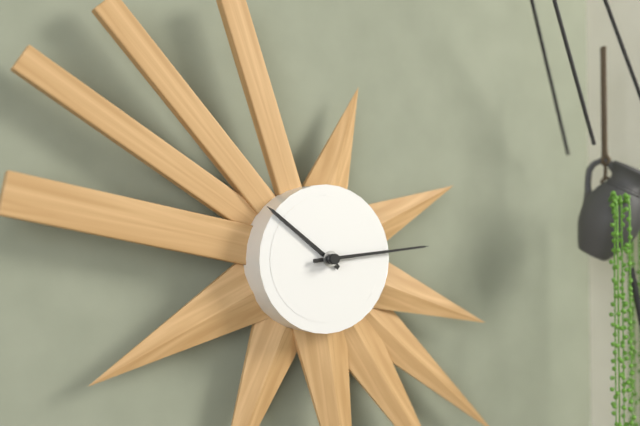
h=10 m=14
